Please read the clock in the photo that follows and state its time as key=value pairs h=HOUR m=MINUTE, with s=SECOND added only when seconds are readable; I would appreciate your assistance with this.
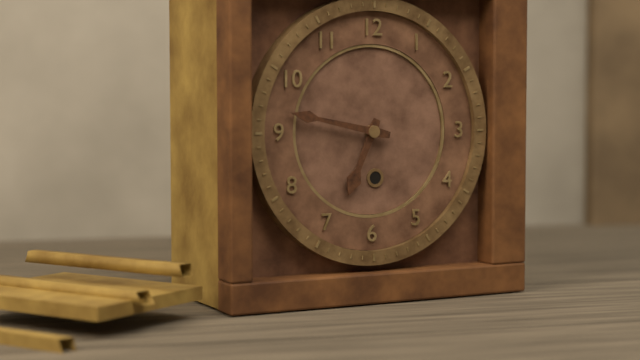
h=6 m=47
